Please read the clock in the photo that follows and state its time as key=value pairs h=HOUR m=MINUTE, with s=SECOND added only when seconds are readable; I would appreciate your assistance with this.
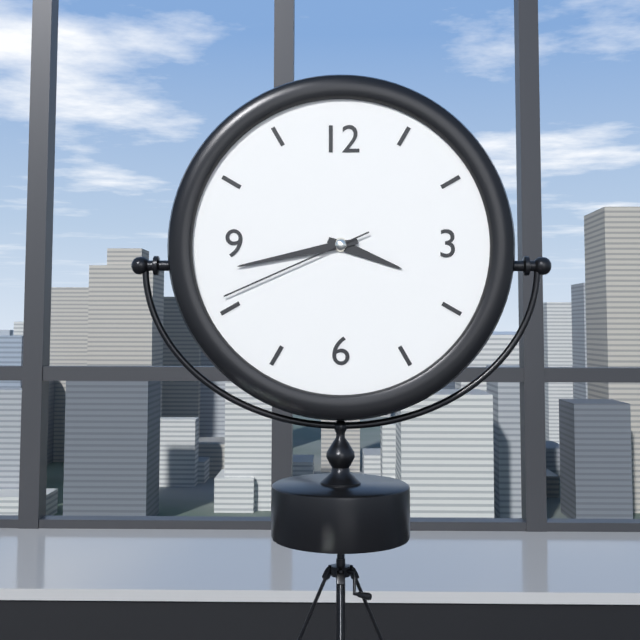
h=3 m=43 s=41
